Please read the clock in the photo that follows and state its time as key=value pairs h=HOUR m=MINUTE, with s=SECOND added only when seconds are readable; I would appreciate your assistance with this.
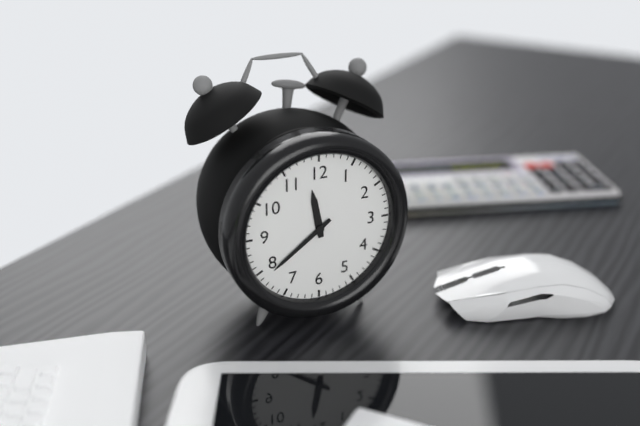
h=11 m=39
